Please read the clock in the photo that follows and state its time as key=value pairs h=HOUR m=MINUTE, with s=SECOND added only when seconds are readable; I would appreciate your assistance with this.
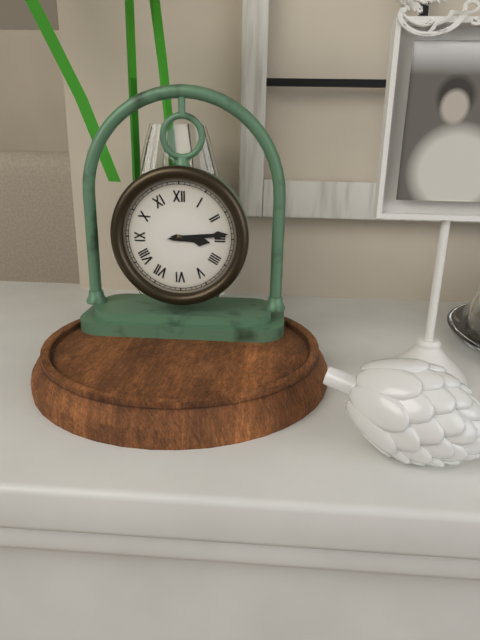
h=3 m=14
